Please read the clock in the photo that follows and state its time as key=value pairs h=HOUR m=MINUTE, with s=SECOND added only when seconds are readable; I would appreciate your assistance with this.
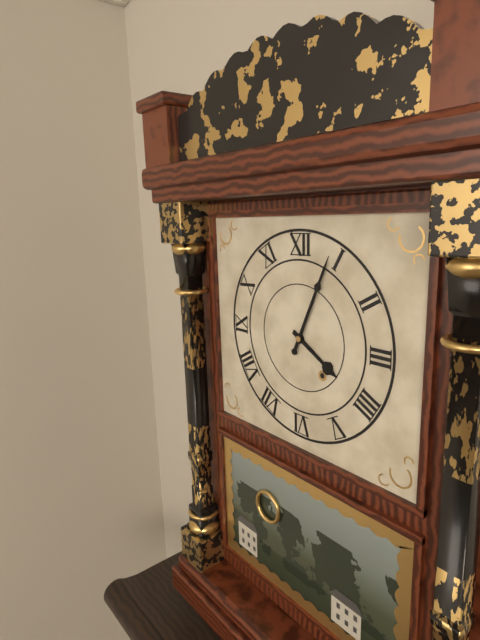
h=4 m=4
